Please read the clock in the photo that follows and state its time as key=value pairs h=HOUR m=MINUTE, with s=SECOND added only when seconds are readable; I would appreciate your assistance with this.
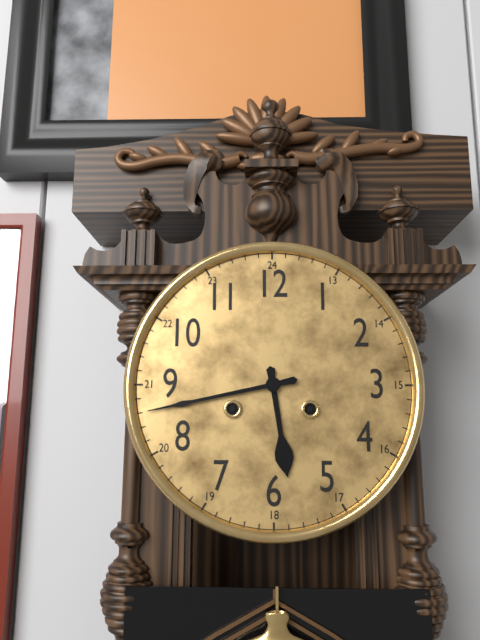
h=5 m=43
